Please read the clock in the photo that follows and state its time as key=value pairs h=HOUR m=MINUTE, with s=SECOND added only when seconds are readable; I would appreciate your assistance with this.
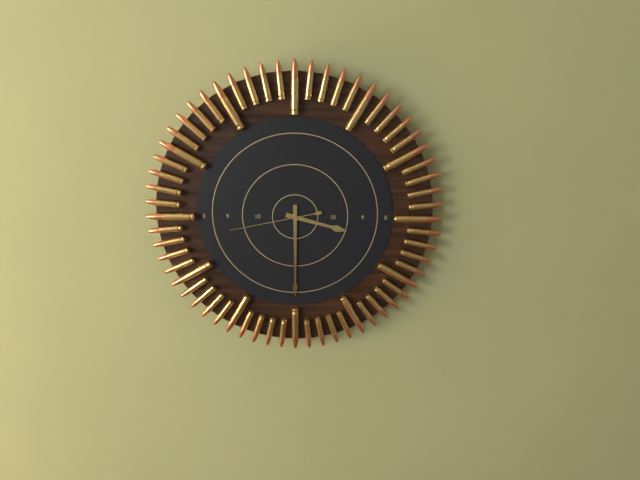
h=3 m=30 s=43
